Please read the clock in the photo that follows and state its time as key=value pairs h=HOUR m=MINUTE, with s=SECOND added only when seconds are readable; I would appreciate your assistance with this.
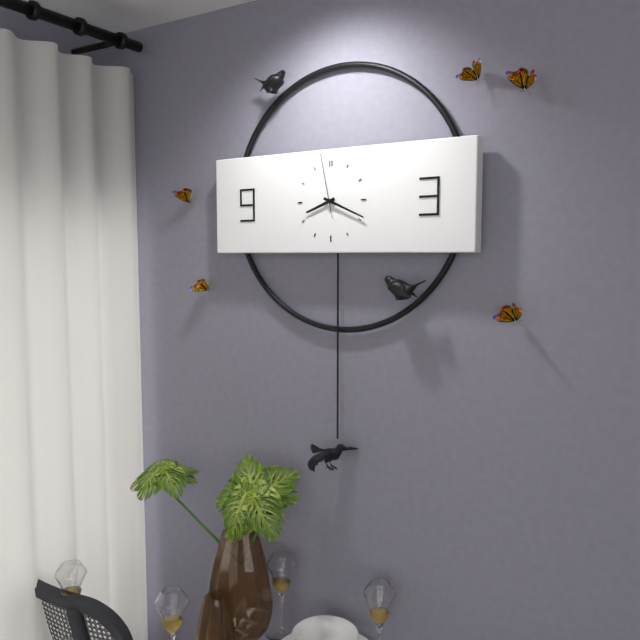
h=8 m=19 s=58
